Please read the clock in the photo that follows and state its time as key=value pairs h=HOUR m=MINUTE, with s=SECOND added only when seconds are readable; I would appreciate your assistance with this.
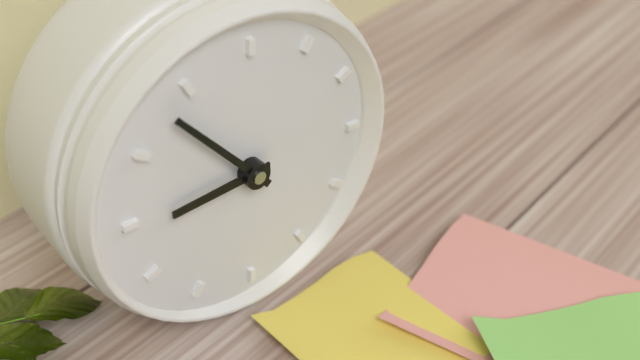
h=8 m=53
